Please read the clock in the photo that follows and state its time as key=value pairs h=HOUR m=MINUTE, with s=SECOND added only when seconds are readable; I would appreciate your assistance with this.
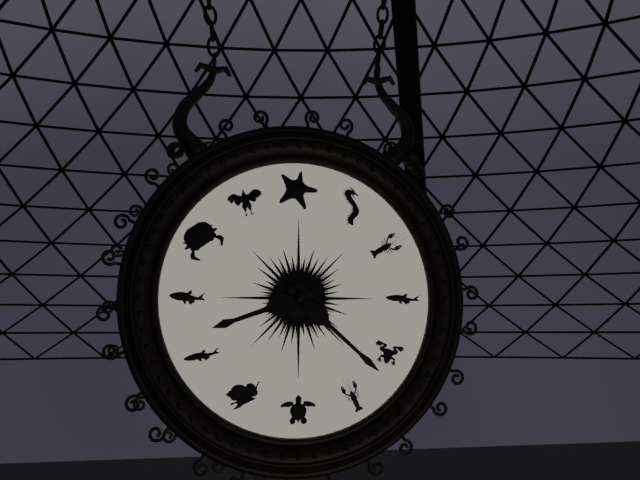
h=8 m=22
